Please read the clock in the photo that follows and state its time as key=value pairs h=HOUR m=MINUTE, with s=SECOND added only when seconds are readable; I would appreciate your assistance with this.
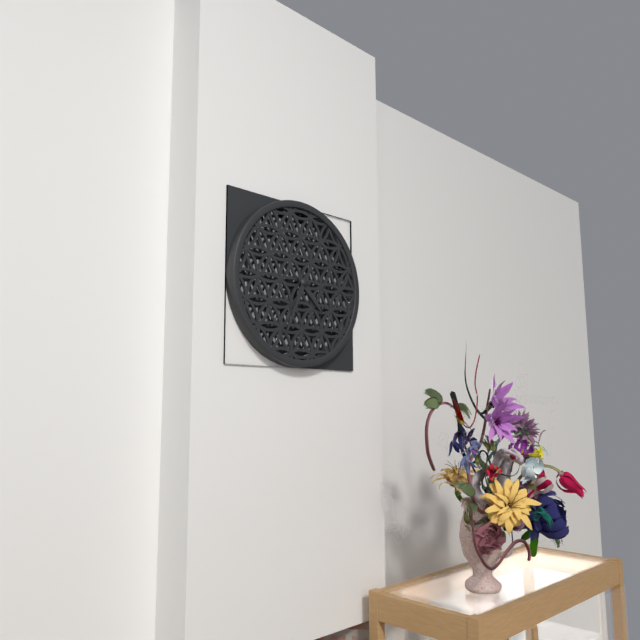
h=4 m=34
